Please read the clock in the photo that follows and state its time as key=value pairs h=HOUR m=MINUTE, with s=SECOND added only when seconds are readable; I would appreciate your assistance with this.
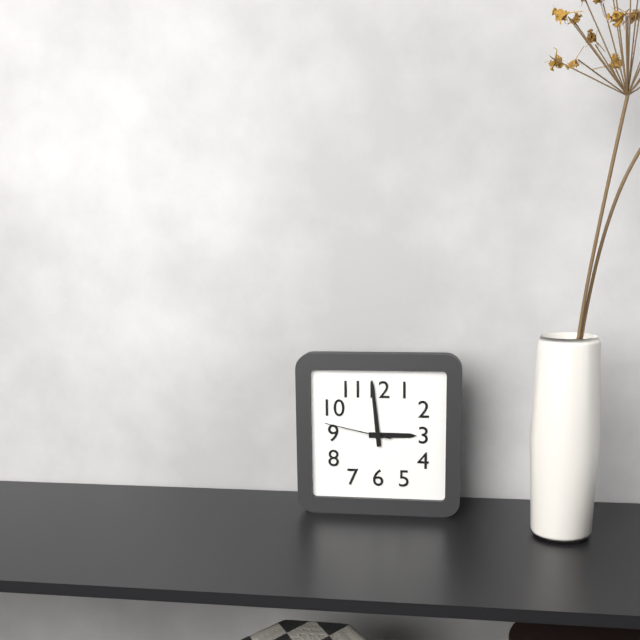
h=2 m=59 s=47
